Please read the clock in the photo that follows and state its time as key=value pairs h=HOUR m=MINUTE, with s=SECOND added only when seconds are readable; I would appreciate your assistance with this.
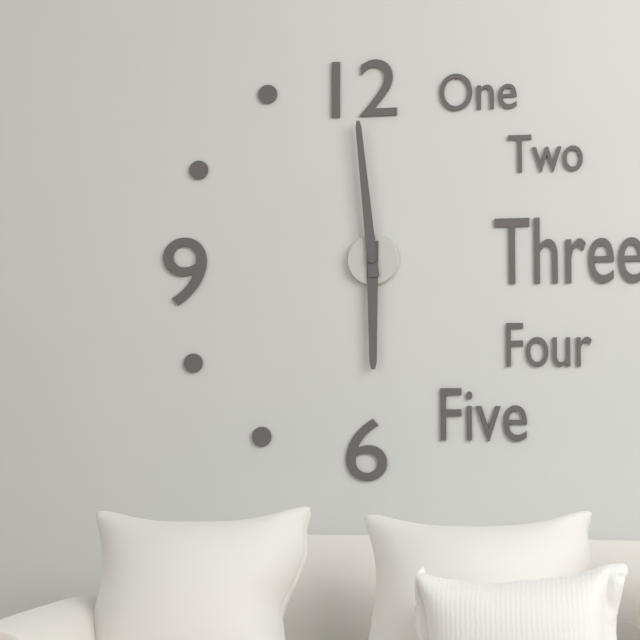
h=5 m=59
